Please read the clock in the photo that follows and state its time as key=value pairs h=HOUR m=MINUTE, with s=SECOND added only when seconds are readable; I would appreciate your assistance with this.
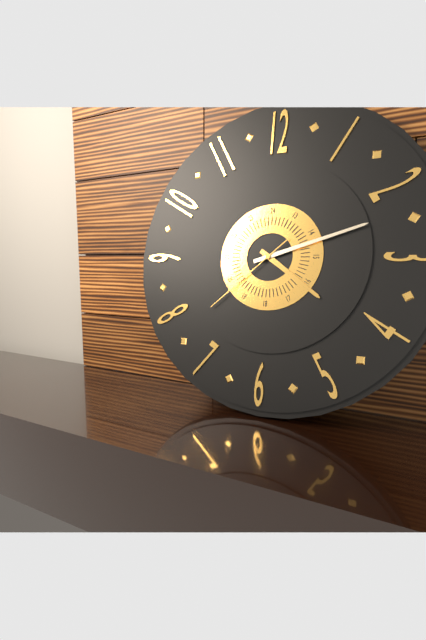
h=4 m=12 s=38
